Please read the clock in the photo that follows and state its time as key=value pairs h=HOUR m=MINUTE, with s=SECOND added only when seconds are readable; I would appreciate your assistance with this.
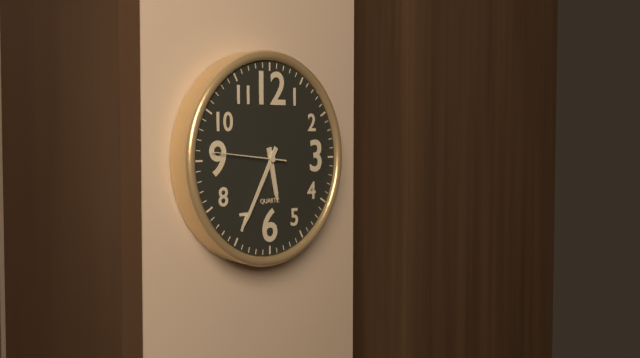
h=5 m=35 s=46
